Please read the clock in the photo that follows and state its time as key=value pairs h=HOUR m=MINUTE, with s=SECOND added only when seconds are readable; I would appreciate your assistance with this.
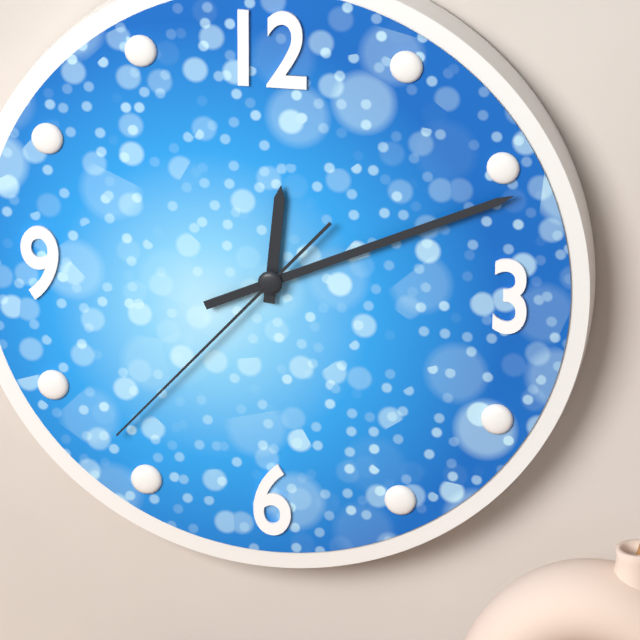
h=12 m=11 s=37
